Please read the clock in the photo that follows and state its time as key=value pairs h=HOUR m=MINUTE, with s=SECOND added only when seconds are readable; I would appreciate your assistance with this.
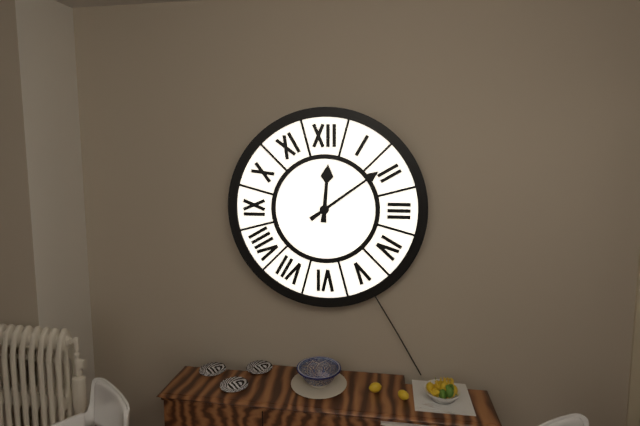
h=12 m=9
